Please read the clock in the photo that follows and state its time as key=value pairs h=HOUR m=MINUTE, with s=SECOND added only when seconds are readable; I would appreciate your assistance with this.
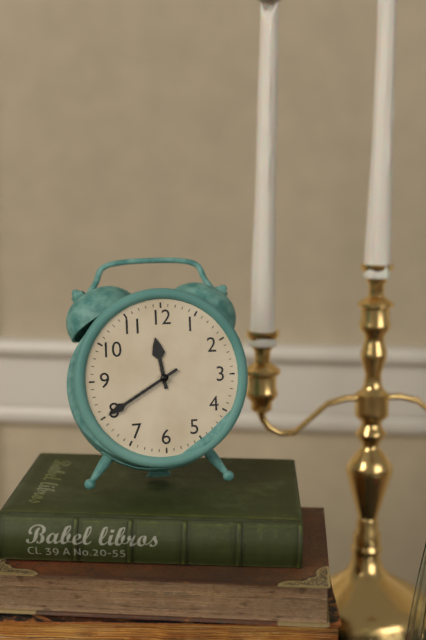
h=11 m=40
